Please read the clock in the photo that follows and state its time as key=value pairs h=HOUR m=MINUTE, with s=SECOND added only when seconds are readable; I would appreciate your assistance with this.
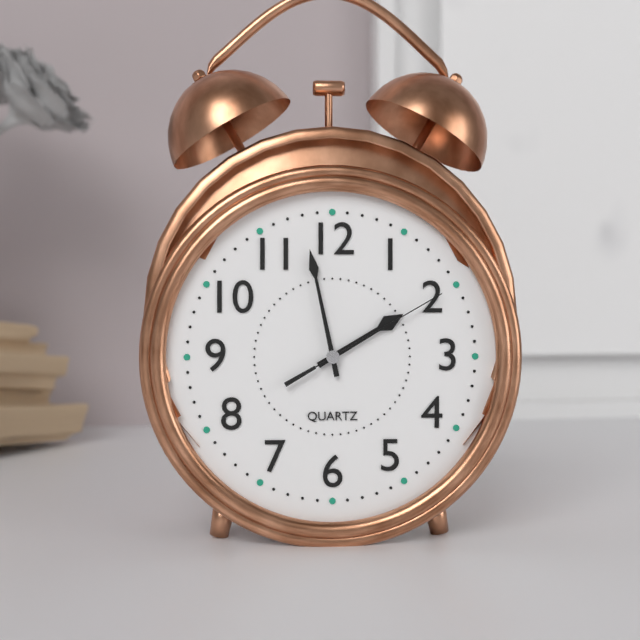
h=1 m=58 s=10
